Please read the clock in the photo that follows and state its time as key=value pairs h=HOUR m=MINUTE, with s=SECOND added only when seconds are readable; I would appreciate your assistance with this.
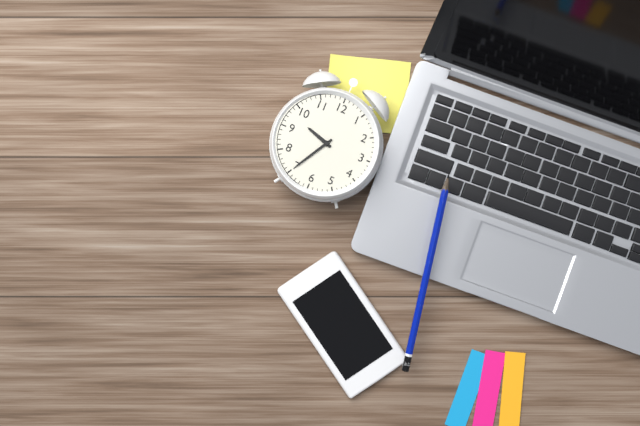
h=9 m=35
